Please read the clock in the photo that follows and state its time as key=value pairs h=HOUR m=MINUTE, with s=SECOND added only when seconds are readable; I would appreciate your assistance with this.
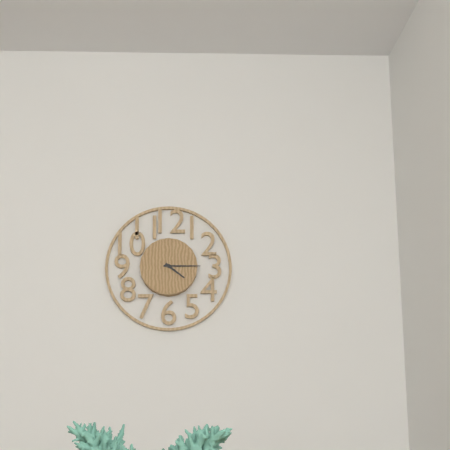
h=4 m=15
